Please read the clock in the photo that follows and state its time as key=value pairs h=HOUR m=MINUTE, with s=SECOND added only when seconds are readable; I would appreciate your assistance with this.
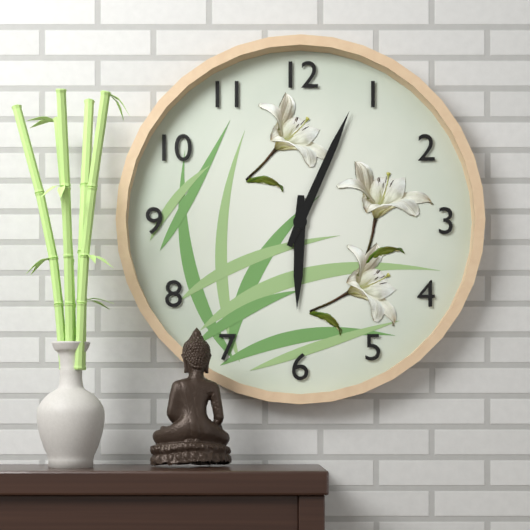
h=6 m=4
